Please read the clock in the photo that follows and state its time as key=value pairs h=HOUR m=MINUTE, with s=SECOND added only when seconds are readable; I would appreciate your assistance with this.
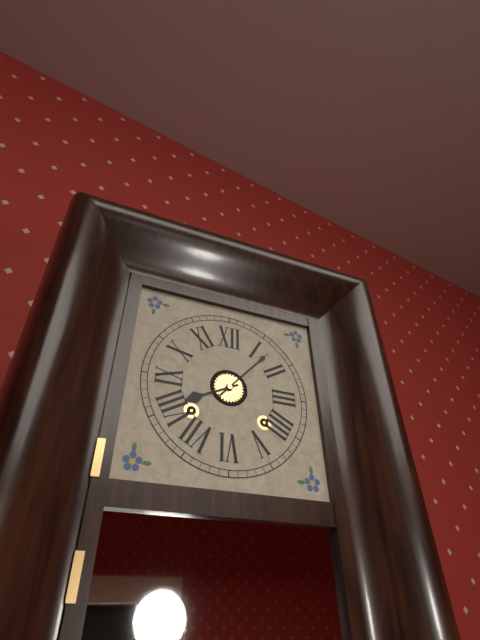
h=8 m=7
